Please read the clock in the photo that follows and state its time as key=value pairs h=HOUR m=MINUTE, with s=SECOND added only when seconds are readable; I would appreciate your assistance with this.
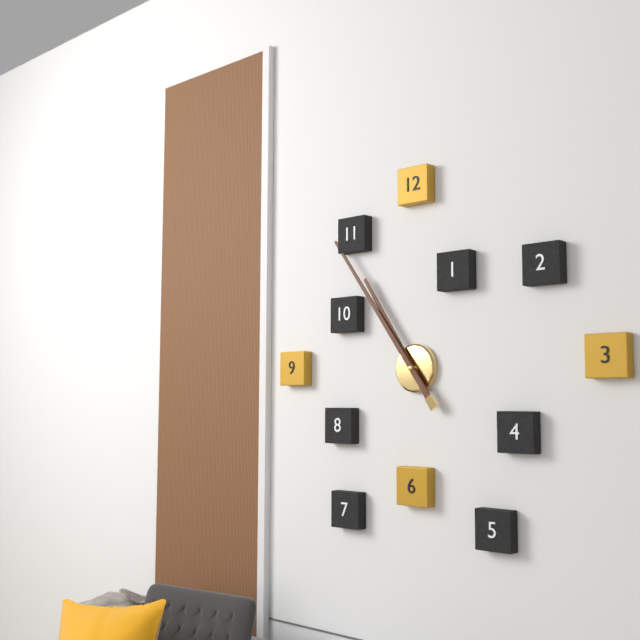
h=10 m=54
